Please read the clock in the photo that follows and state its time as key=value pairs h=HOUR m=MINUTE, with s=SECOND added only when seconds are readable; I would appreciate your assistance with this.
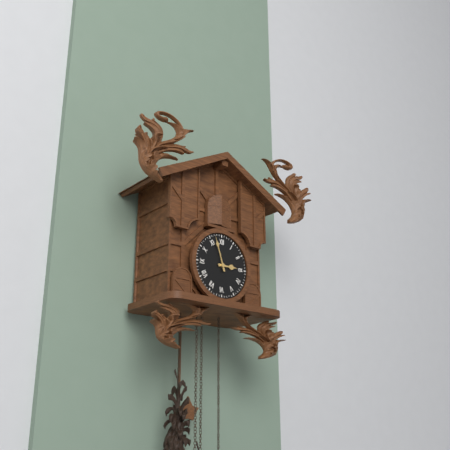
h=2 m=57
